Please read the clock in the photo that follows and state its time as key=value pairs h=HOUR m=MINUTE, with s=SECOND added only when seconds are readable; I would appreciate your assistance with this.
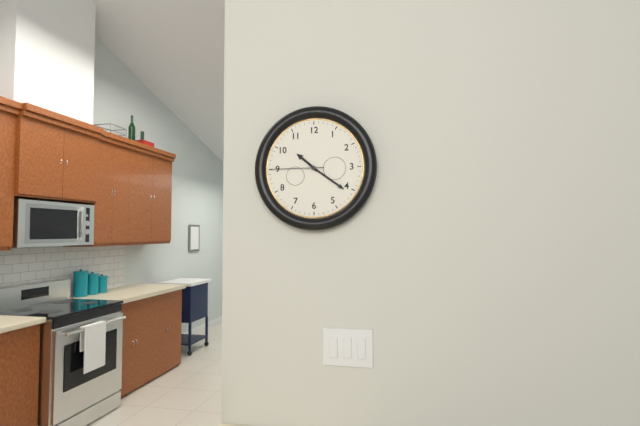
h=10 m=21 s=45
